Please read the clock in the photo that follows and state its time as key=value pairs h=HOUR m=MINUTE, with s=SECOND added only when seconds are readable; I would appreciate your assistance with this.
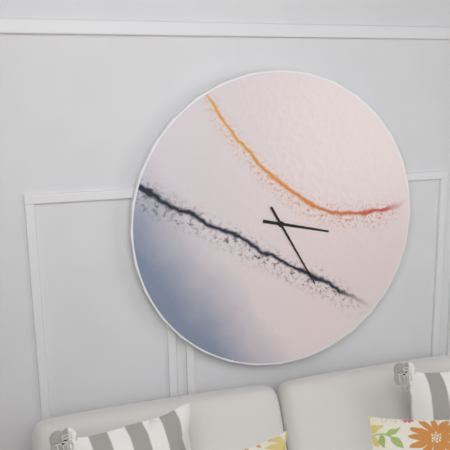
h=3 m=25
